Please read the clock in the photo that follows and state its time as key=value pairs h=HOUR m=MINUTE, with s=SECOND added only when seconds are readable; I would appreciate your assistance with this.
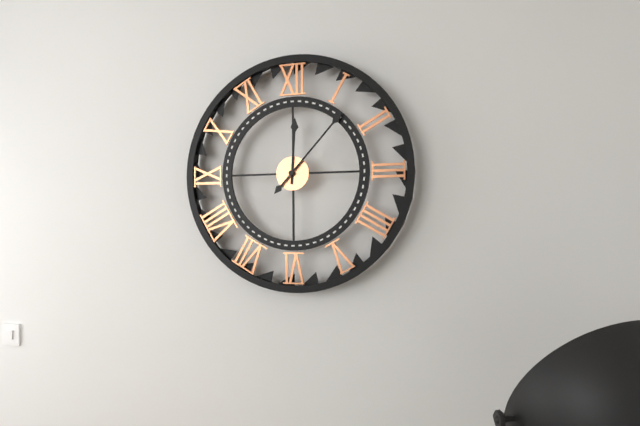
h=12 m=7
